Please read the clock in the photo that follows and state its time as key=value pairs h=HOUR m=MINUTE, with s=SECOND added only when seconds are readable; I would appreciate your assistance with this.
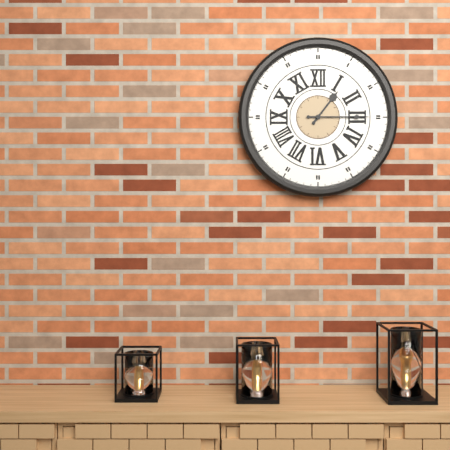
h=1 m=15
